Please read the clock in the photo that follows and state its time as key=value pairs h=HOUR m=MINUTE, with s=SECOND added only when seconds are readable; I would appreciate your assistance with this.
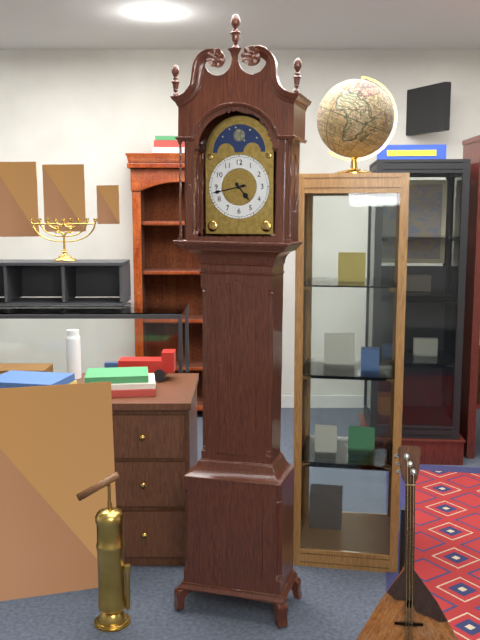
h=4 m=43
